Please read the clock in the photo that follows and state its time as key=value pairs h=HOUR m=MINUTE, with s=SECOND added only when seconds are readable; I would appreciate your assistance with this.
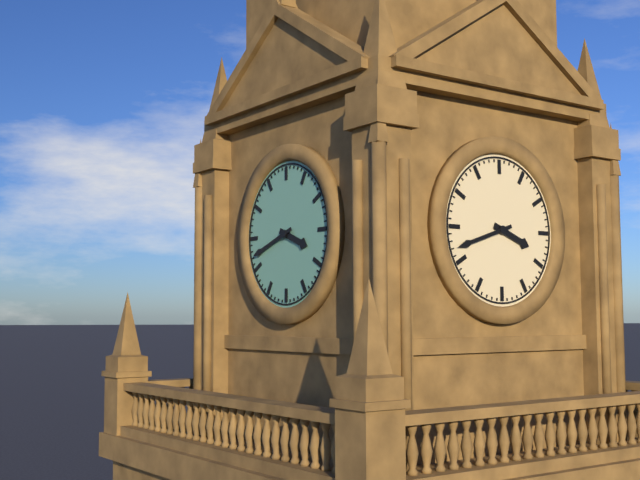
h=3 m=42
